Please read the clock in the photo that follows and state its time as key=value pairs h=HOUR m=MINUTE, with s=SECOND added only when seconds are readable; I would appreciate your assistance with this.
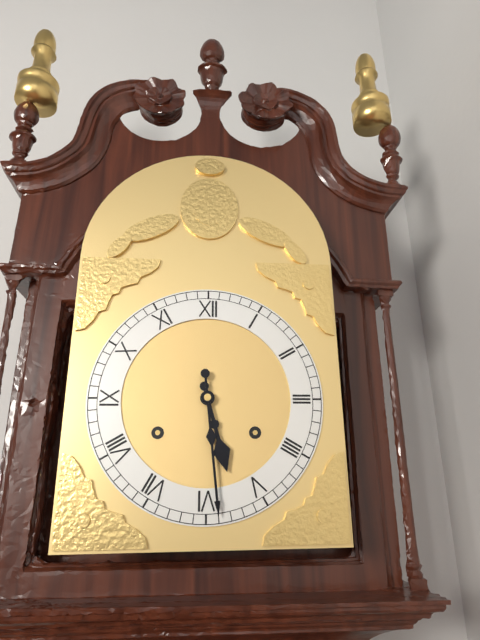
h=5 m=29
